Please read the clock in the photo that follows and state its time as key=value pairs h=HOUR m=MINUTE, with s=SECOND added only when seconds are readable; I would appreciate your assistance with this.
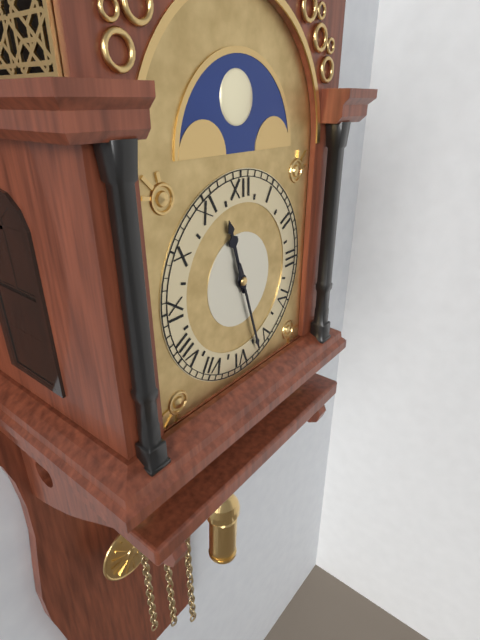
h=11 m=27
